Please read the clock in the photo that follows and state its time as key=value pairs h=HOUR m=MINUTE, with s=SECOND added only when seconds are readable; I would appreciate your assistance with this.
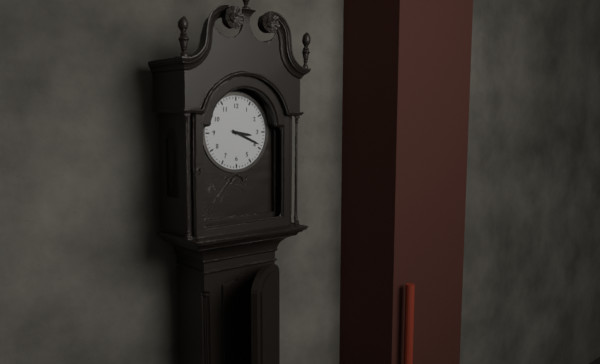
h=3 m=19
